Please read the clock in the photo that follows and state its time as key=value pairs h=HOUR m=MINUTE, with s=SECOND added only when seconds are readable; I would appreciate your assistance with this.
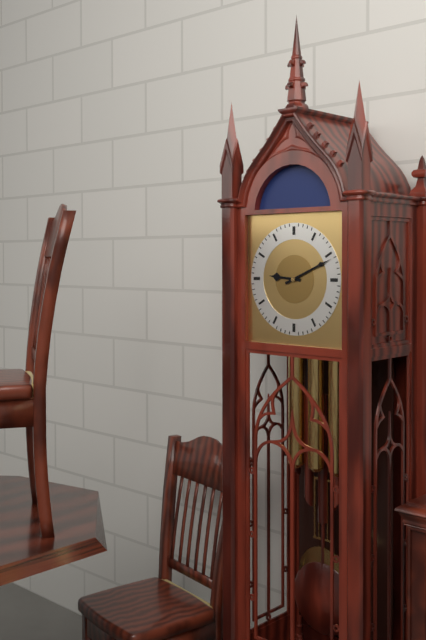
h=9 m=11
